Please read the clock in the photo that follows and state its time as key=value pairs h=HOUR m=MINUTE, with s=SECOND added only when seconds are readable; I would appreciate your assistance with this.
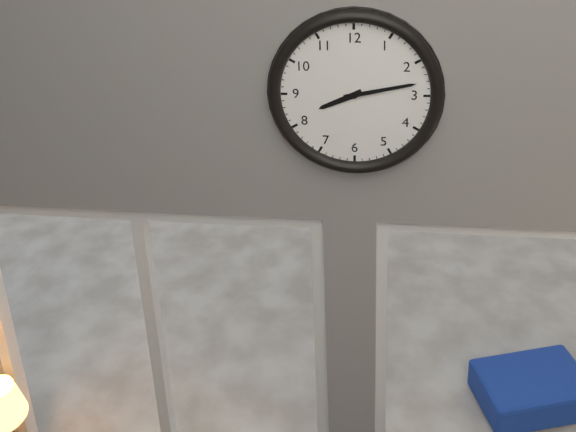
h=8 m=13
